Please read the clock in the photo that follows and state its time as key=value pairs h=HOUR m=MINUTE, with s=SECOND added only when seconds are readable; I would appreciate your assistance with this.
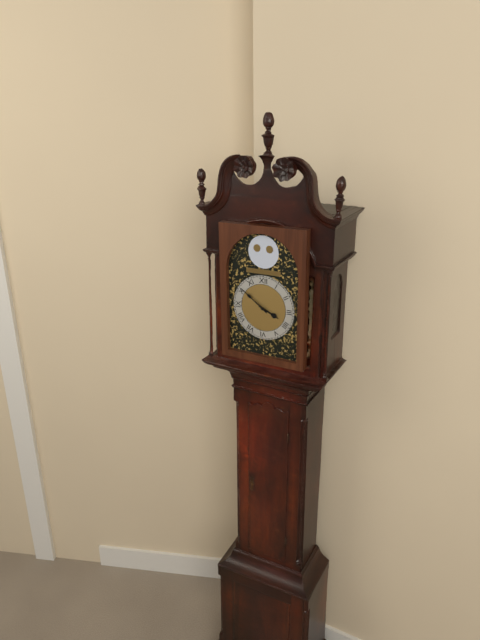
h=3 m=51
